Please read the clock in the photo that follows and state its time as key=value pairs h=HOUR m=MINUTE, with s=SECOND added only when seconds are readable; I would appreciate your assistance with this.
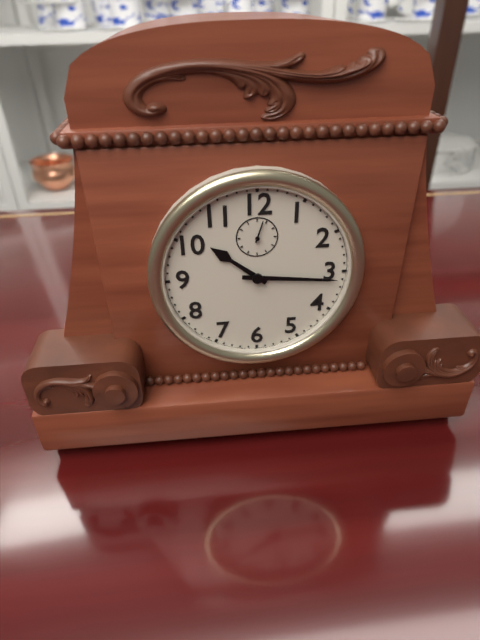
h=10 m=16
